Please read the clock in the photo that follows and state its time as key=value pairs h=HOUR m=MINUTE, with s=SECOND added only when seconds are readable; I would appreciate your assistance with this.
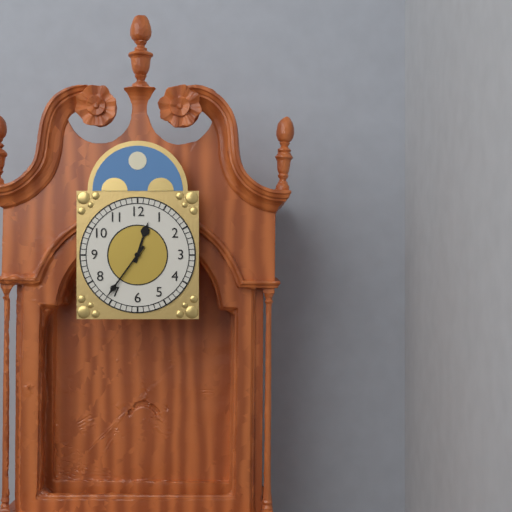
h=12 m=36
